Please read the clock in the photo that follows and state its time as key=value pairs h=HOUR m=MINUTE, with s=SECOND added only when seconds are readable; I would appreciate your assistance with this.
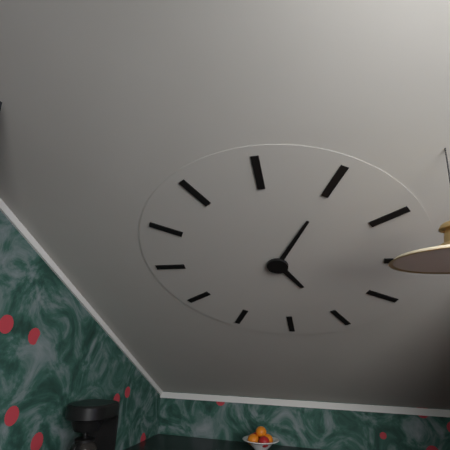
h=5 m=5
